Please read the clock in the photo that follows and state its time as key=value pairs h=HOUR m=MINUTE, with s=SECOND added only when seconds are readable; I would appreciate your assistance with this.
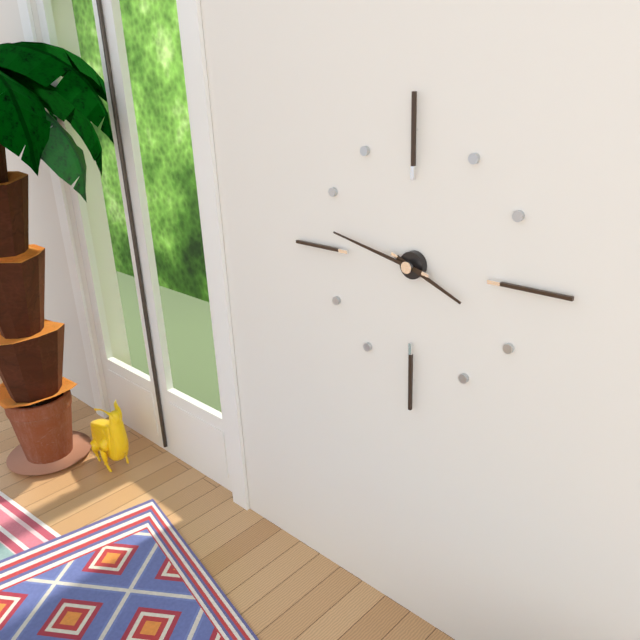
h=3 m=47
